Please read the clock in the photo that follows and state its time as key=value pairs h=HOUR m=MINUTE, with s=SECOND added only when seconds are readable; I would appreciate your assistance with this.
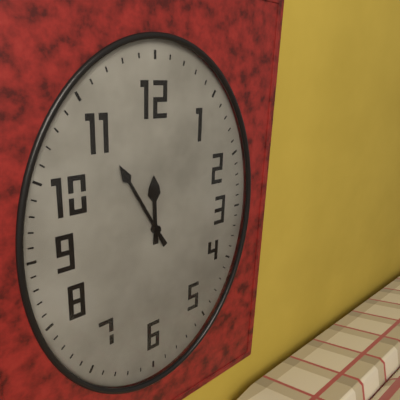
h=11 m=55
